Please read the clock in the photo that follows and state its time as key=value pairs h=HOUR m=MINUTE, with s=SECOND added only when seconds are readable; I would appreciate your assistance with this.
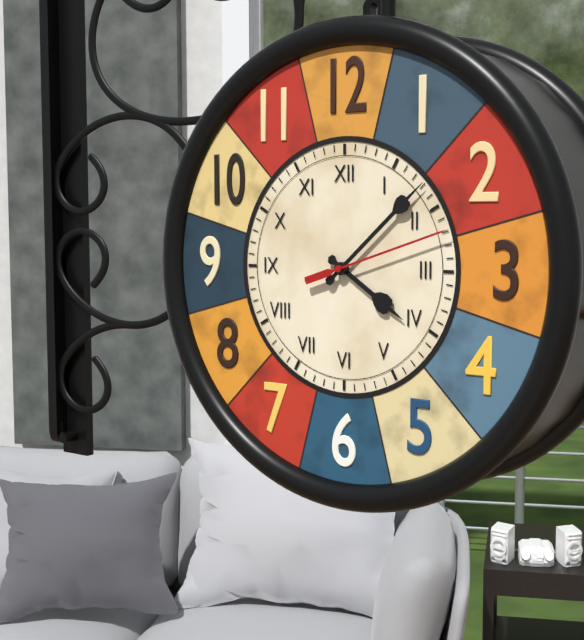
h=4 m=8 s=12
